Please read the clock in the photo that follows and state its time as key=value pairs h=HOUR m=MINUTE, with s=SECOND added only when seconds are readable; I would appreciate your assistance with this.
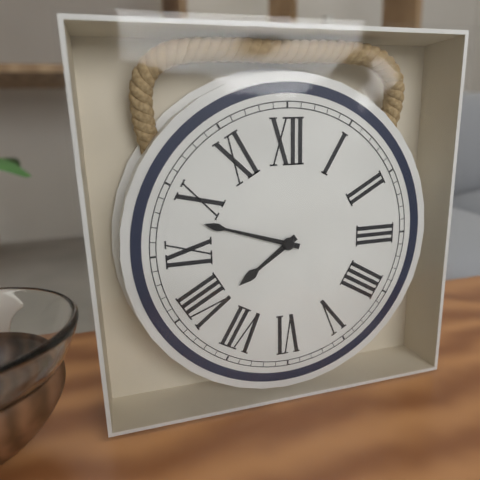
h=7 m=48
